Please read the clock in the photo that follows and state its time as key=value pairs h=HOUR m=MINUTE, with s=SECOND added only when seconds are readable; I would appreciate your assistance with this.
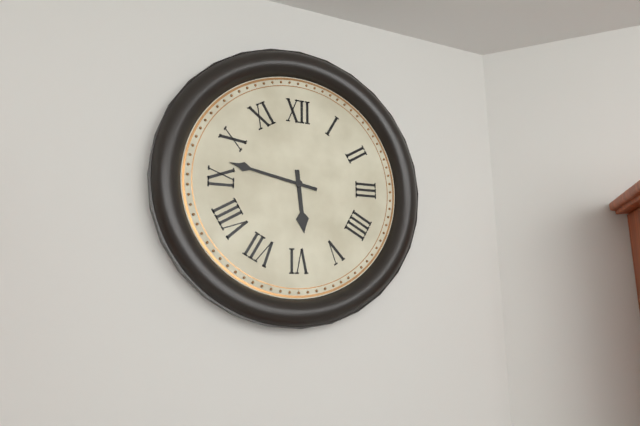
h=5 m=47
